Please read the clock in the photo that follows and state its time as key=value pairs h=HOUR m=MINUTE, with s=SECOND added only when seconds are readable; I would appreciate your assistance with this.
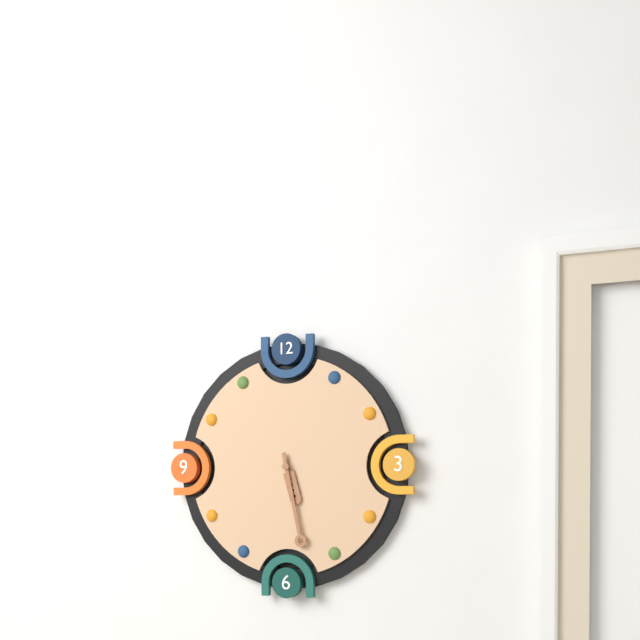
h=5 m=28
